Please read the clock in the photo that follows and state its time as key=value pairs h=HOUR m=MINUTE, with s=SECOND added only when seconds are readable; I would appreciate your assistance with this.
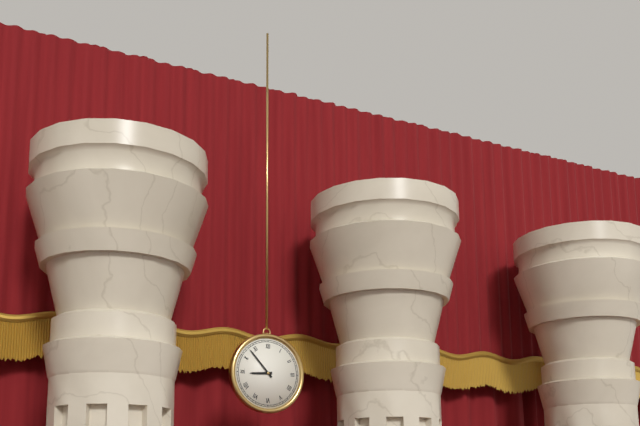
h=8 m=53
